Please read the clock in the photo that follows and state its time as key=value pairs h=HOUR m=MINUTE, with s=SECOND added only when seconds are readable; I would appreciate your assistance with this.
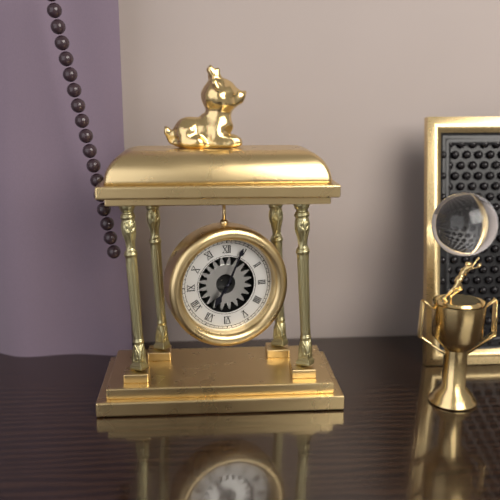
h=7 m=4
